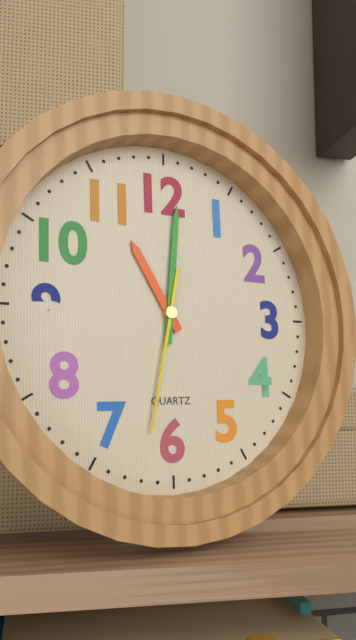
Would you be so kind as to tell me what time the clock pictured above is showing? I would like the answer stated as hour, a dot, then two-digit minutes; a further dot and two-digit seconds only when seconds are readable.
11.01.32
